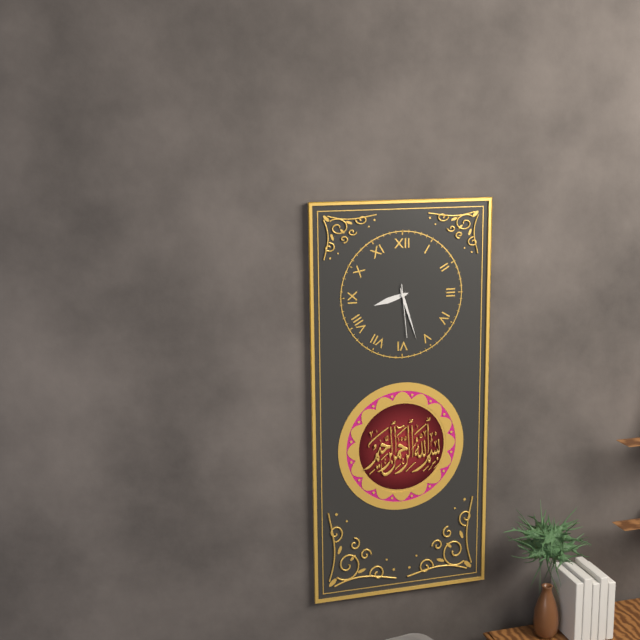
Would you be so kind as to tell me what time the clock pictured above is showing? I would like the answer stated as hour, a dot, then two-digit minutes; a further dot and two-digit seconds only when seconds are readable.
8.27.29
